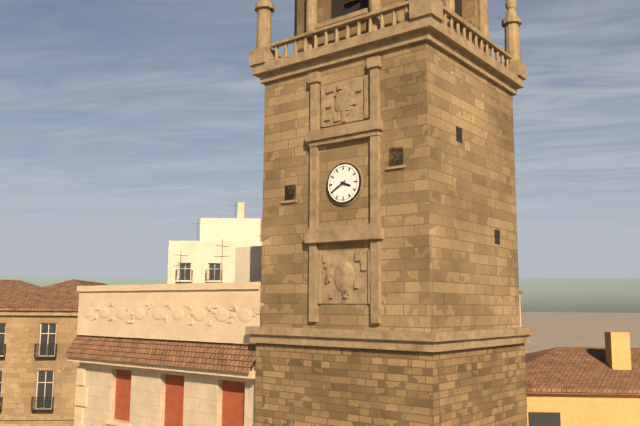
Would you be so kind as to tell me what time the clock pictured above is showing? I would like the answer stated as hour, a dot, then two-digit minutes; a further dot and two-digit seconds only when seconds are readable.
3.40
